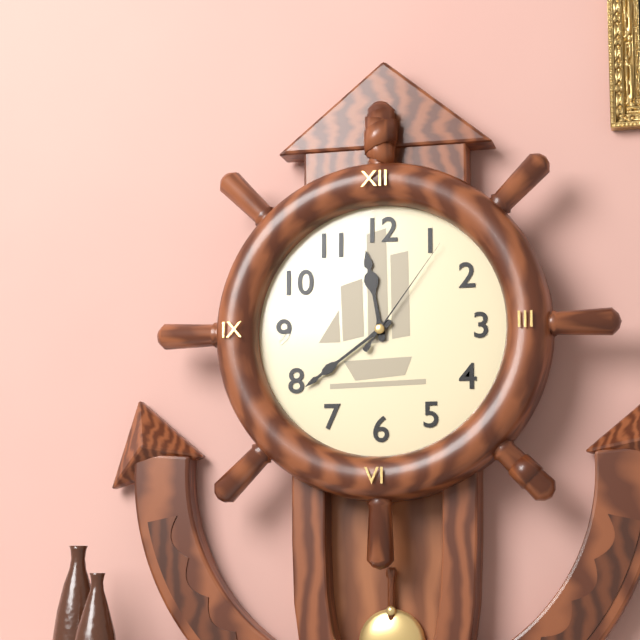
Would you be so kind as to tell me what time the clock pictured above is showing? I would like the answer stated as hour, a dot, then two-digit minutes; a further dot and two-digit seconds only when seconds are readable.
11.39.06
